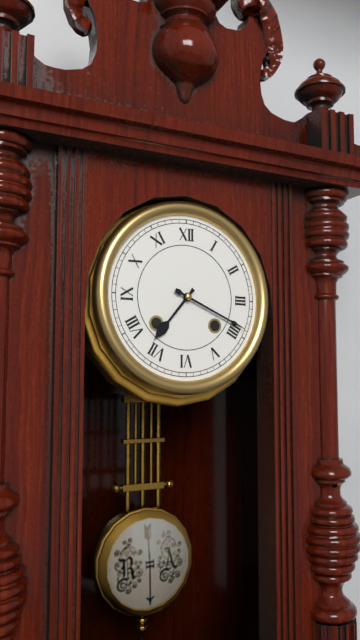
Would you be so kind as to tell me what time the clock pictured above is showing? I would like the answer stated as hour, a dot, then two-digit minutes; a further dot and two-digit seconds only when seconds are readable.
7.19
